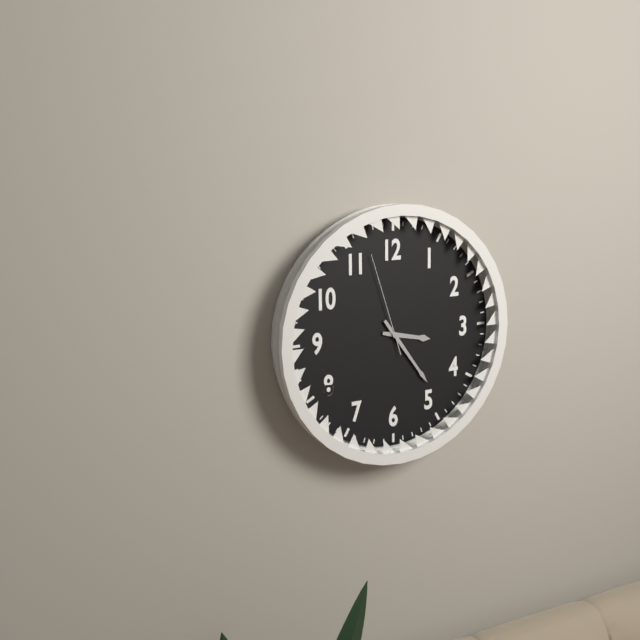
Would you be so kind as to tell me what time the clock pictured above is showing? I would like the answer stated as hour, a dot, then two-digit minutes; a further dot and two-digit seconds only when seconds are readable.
3.24.57
